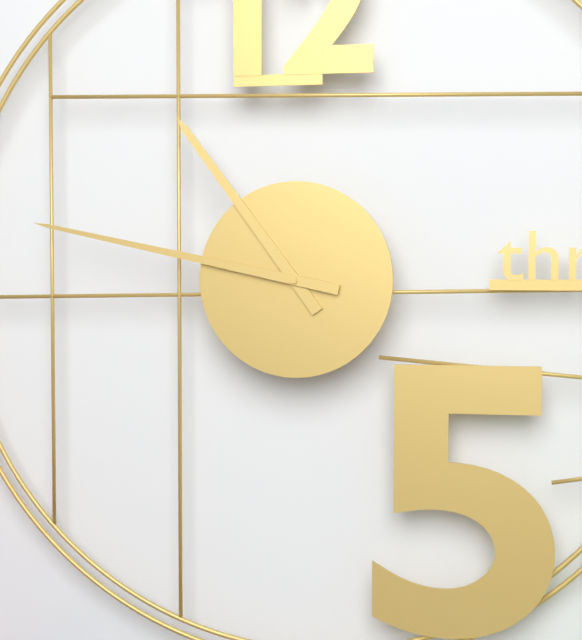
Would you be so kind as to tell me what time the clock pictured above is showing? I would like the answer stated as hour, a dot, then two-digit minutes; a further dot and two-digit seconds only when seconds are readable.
10.47
